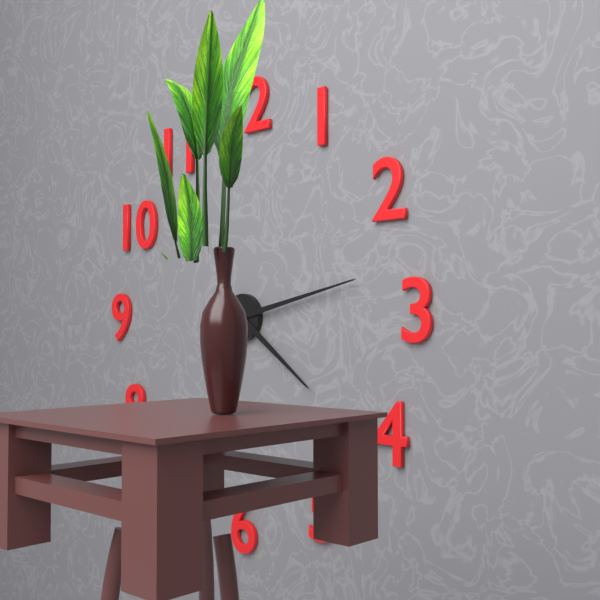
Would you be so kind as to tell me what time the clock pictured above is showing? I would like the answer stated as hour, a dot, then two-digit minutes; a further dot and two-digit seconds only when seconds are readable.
4.13
